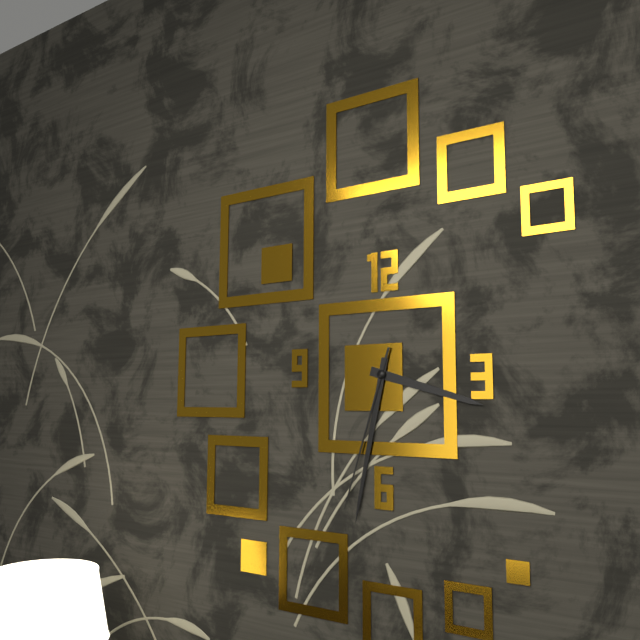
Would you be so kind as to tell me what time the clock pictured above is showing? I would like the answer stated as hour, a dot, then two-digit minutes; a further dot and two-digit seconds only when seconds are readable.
3.32.33
